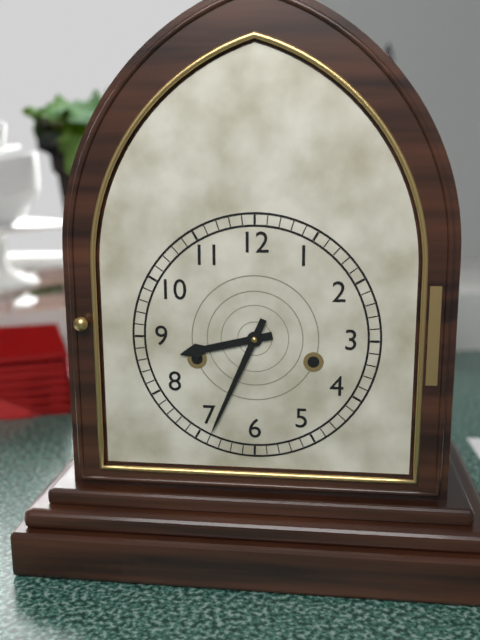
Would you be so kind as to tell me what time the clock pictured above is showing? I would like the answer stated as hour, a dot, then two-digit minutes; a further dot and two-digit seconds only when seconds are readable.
8.34
